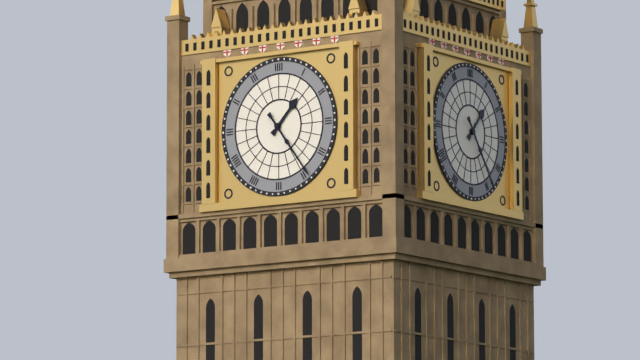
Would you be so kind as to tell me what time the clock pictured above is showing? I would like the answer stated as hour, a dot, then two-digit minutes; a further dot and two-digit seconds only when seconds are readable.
1.24
